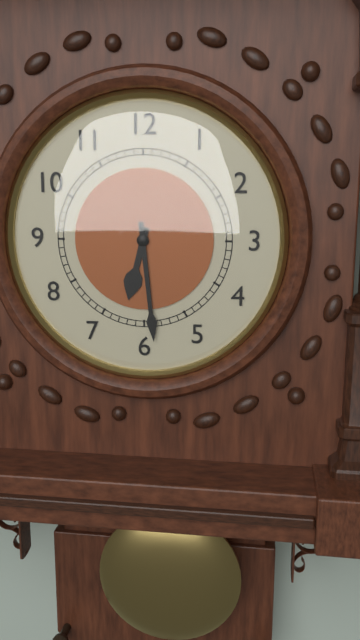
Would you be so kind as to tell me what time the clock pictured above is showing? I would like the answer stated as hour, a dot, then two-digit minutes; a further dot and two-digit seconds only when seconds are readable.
6.29
